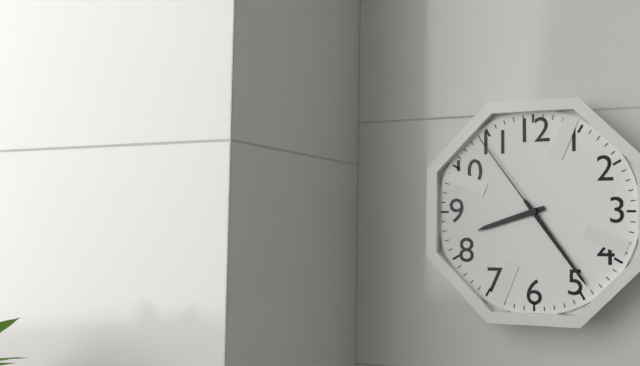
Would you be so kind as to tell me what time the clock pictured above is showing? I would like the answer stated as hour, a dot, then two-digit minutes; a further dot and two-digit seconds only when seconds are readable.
8.24.54
